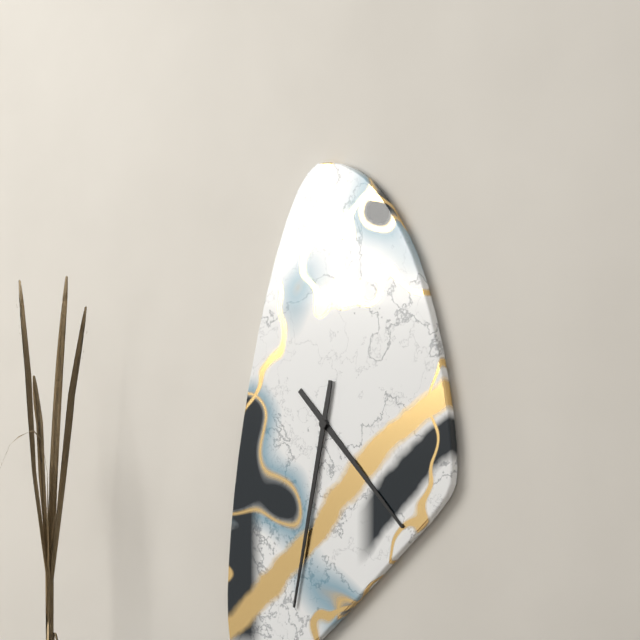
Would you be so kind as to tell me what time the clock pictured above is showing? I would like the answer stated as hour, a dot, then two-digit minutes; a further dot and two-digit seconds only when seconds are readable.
4.32
